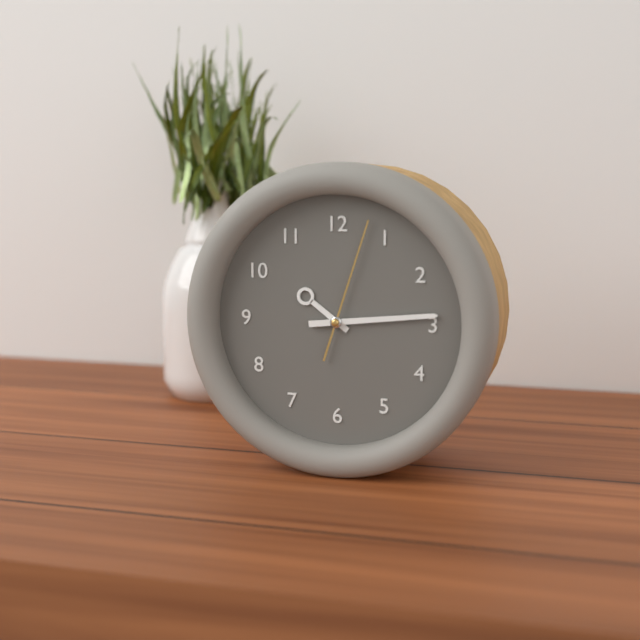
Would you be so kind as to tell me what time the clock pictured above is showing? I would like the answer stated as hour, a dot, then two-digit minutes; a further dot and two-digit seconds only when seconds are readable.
10.14.03
